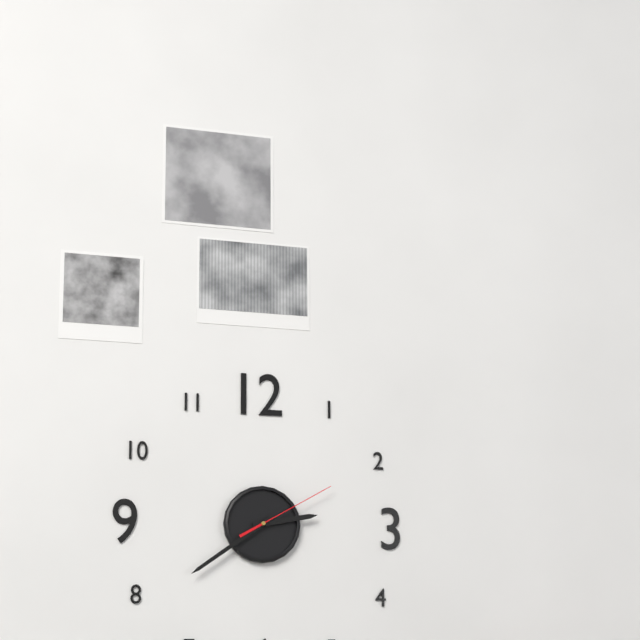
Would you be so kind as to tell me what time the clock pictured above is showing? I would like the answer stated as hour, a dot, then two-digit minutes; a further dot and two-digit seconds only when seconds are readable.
2.39.10
